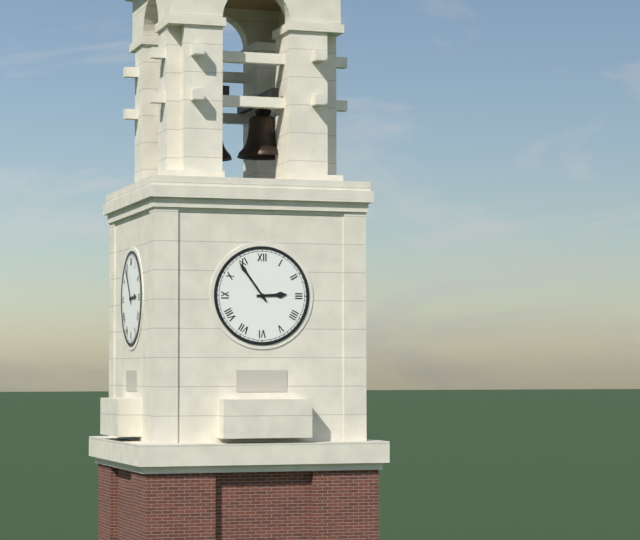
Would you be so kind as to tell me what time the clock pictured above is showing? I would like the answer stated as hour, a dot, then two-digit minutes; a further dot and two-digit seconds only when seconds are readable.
2.54
